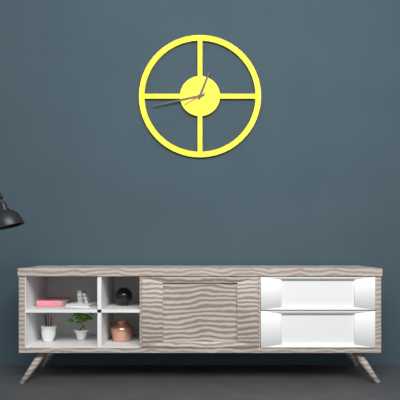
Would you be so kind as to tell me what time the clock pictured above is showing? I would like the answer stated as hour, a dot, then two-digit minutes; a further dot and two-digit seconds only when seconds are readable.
12.43
